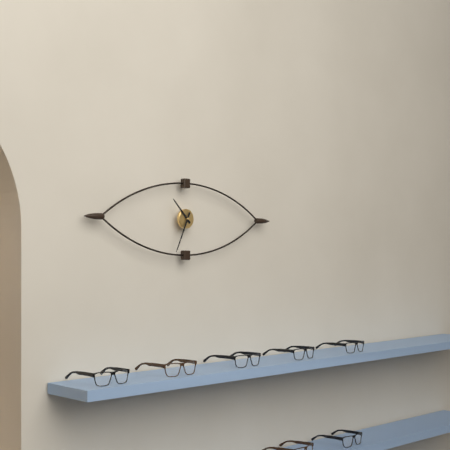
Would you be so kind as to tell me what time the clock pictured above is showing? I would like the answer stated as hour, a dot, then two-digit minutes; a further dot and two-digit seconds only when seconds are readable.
10.34
